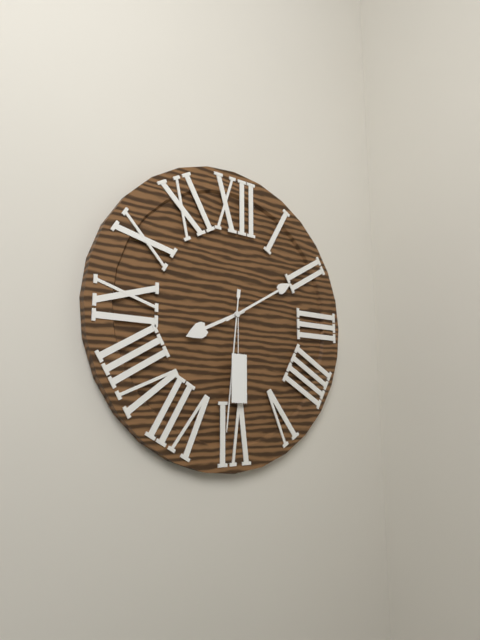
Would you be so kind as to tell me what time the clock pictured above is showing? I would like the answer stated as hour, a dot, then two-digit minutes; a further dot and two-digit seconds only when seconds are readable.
8.10.31
